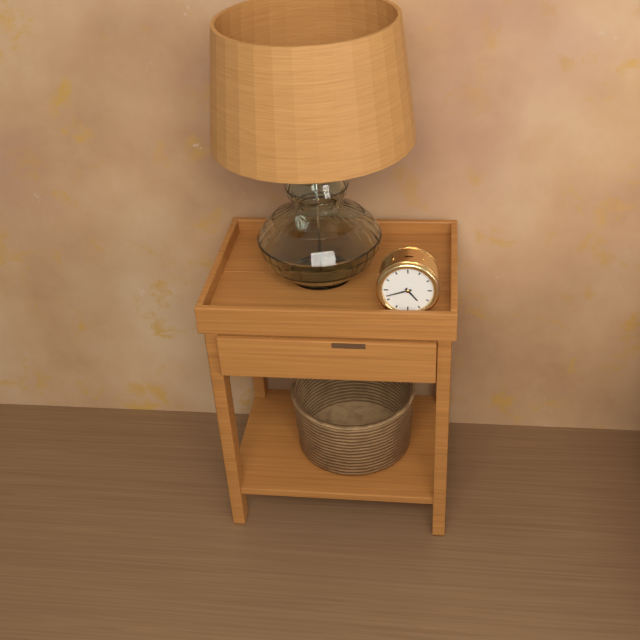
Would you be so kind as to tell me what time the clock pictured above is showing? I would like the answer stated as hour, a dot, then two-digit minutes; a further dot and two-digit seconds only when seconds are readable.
4.42
